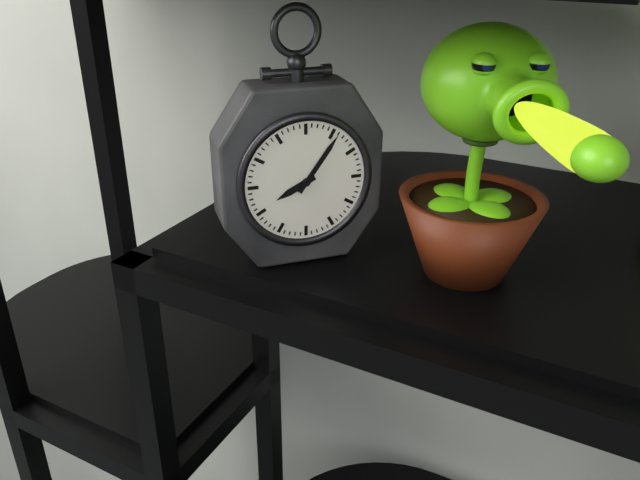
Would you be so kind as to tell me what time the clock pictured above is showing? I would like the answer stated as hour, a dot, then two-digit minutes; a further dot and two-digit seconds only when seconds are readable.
8.06
